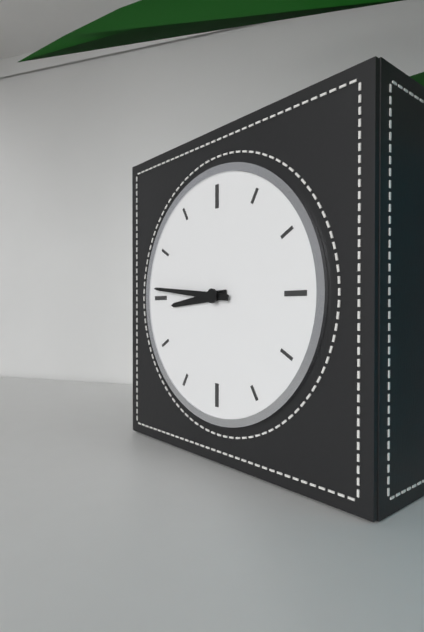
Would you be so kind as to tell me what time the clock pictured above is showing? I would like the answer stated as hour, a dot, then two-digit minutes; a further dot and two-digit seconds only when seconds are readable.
8.46
